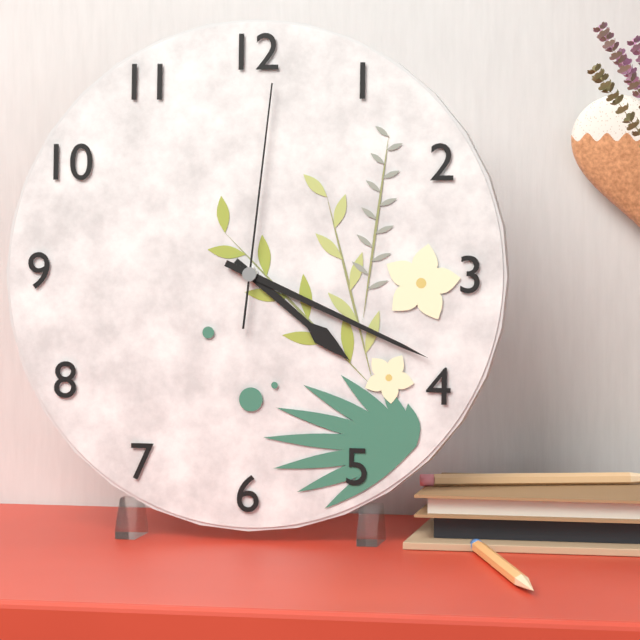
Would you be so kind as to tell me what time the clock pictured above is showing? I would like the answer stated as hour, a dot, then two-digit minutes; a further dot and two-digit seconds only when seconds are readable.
4.19.01
